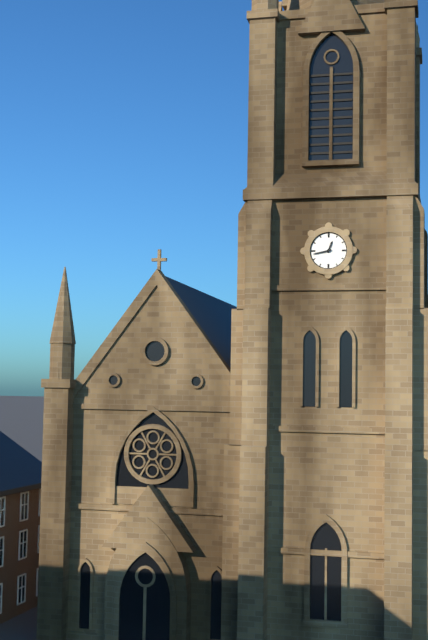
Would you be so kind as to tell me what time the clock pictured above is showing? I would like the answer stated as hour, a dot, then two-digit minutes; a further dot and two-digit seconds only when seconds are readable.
12.43
